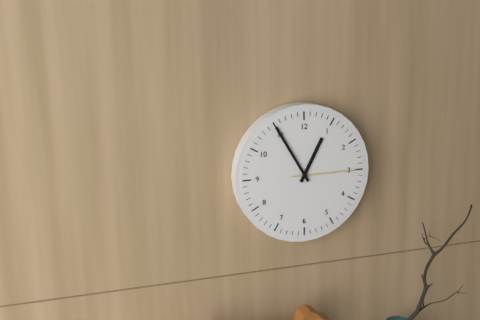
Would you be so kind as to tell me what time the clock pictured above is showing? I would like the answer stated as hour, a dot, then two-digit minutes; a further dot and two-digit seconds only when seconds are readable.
12.55.15
